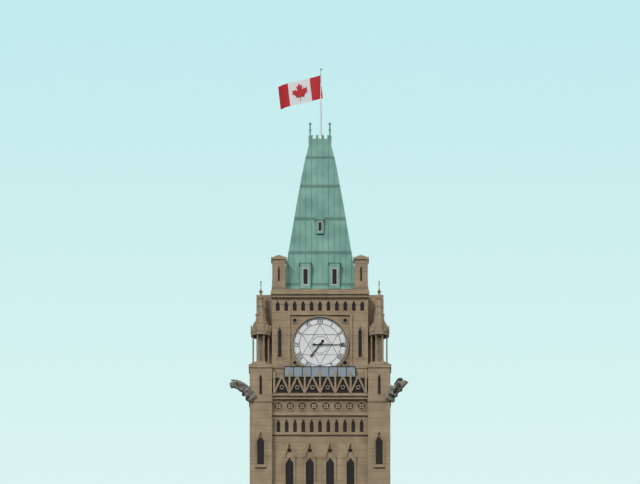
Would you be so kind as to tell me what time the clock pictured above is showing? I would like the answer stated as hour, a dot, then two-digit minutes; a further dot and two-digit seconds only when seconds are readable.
7.15
